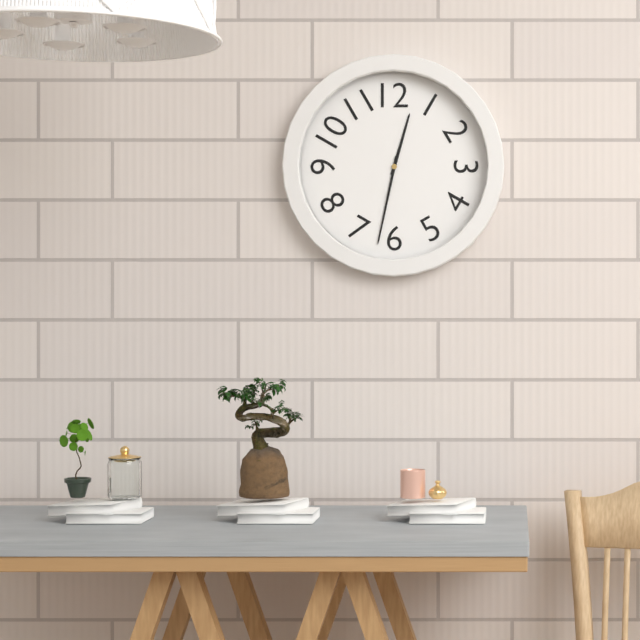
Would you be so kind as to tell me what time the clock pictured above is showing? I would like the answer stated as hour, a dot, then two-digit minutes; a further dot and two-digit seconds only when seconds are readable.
12.32
